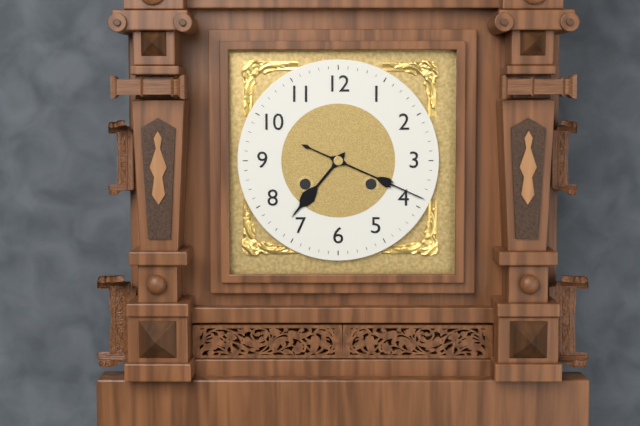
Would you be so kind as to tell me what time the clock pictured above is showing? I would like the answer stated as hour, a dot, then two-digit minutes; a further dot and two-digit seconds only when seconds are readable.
7.19
